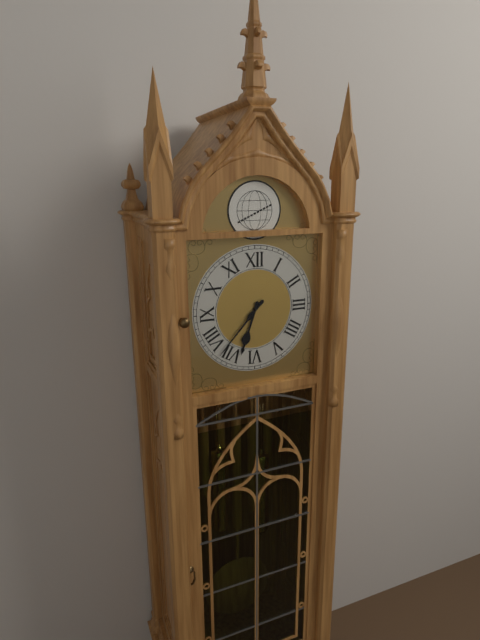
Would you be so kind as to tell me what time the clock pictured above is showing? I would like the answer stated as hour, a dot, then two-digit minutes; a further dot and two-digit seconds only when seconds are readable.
6.37
